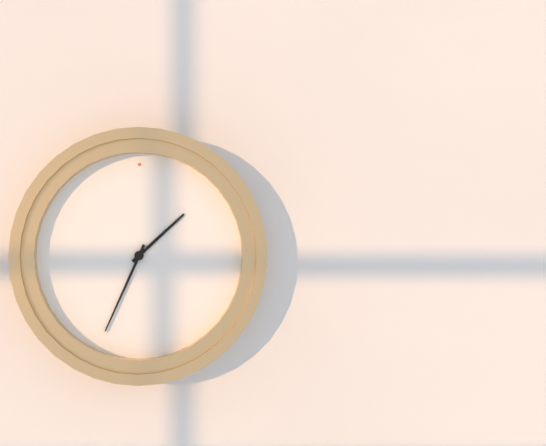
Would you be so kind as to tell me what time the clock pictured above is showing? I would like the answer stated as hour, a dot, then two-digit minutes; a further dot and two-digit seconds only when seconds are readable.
1.34
